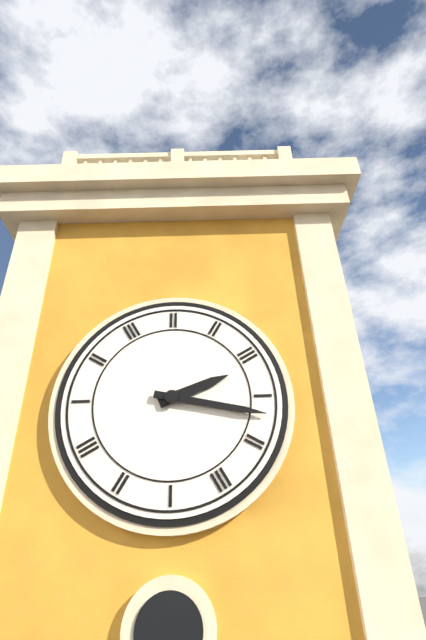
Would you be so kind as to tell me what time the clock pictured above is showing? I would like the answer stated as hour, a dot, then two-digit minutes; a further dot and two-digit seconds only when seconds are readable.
2.17
